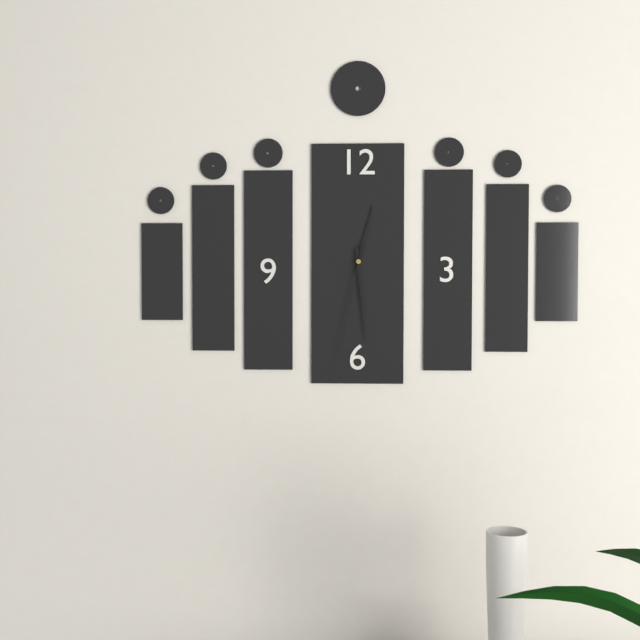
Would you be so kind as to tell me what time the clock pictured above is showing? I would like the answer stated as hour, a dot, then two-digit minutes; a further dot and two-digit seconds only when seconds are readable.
12.29.32
